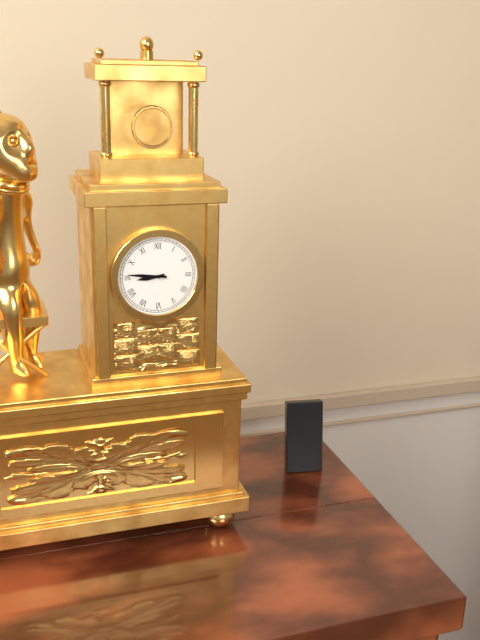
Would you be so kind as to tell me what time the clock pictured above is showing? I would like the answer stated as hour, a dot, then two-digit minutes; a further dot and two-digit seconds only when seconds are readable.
8.46
